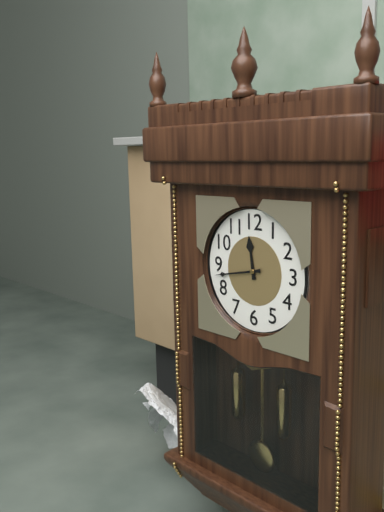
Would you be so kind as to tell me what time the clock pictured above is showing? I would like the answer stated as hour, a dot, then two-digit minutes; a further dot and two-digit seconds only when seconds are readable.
11.43
